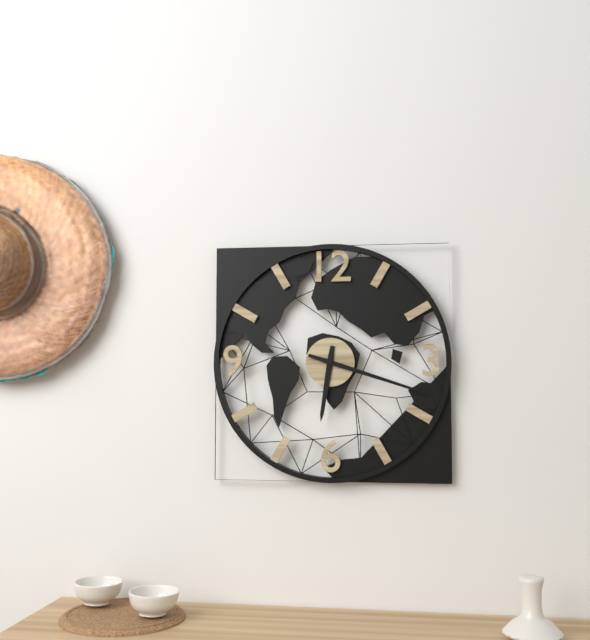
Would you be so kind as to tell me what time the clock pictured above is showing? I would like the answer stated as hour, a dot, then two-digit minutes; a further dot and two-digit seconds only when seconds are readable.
6.18
